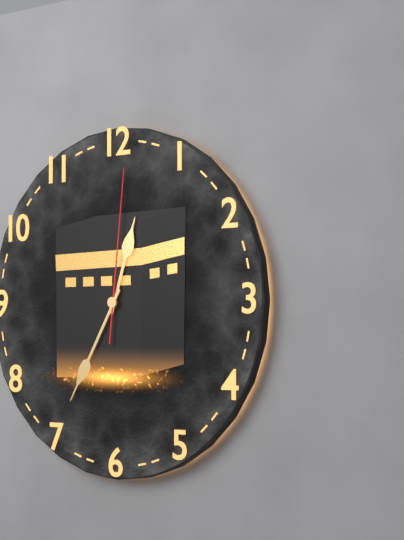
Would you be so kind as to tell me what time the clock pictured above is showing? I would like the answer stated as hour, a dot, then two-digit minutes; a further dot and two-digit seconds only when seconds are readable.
12.35.01
